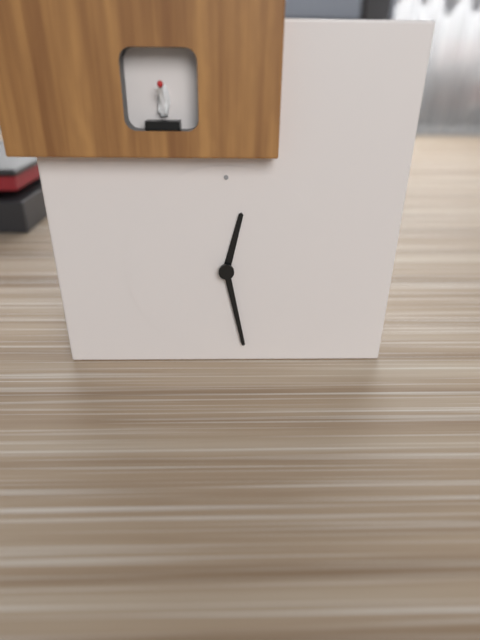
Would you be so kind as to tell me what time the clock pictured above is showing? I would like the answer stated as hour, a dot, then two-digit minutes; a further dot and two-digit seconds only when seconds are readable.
12.28
